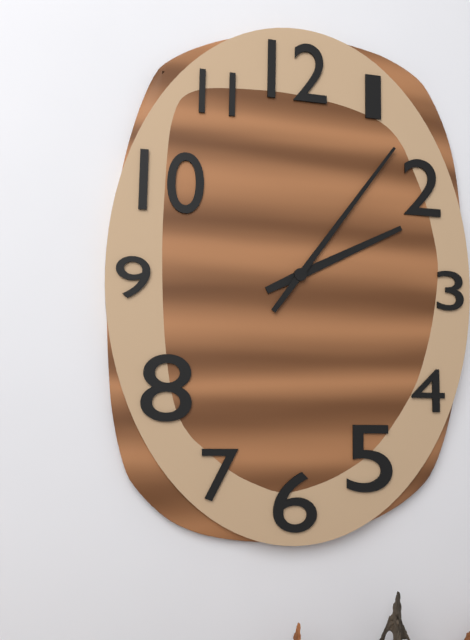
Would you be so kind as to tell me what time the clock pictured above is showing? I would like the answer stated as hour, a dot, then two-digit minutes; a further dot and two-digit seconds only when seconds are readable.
2.06
